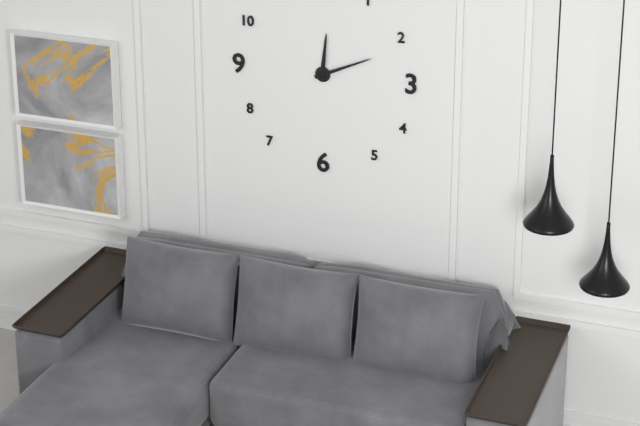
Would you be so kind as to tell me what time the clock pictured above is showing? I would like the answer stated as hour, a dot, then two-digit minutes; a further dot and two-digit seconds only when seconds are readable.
12.11
